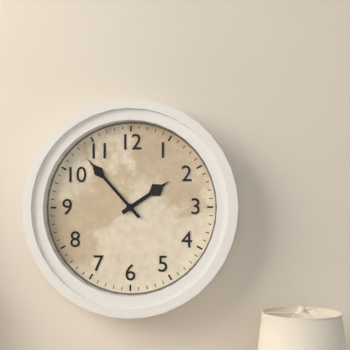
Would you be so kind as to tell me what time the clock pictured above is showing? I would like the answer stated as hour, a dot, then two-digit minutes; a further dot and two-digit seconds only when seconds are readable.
1.53
